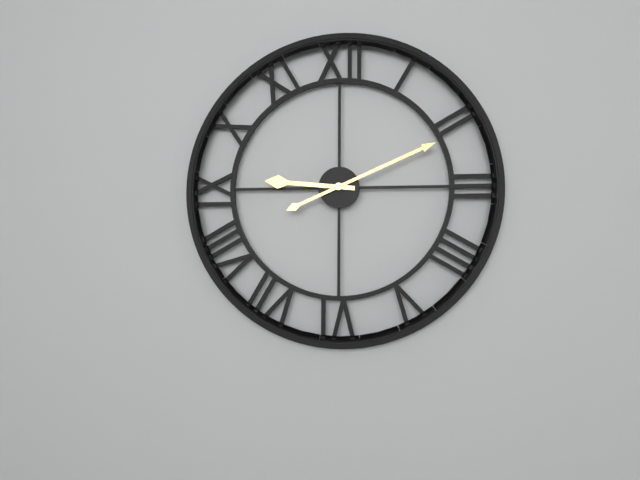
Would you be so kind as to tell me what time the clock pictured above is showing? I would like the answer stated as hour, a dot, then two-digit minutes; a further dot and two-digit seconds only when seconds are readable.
9.11
